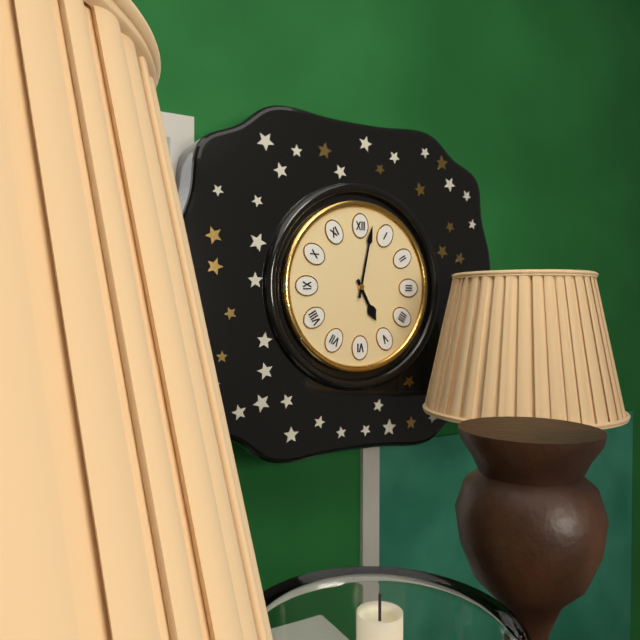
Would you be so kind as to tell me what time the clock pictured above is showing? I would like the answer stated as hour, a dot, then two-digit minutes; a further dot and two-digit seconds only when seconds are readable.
5.02
